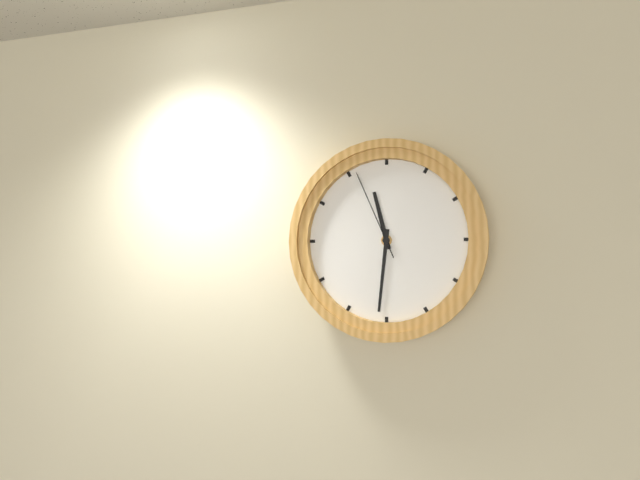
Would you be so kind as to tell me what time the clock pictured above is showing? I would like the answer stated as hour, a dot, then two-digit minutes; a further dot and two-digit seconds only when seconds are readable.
11.31.56
